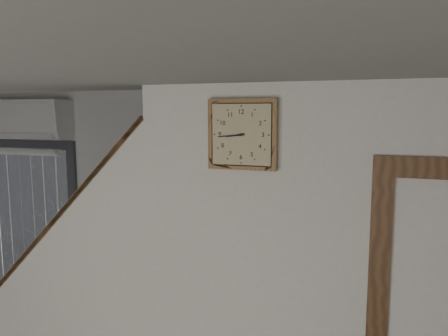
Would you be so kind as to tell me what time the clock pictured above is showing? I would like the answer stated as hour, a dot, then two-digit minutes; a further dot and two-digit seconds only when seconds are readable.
8.44
